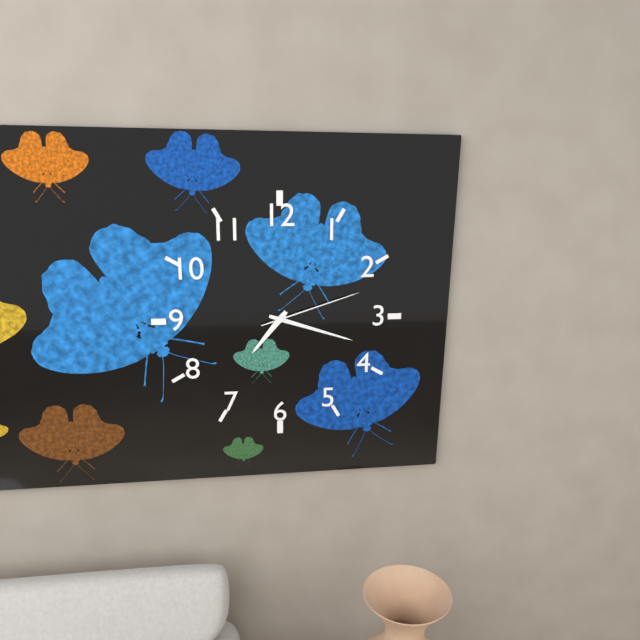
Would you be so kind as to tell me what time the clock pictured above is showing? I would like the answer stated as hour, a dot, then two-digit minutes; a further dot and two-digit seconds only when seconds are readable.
7.18.12
